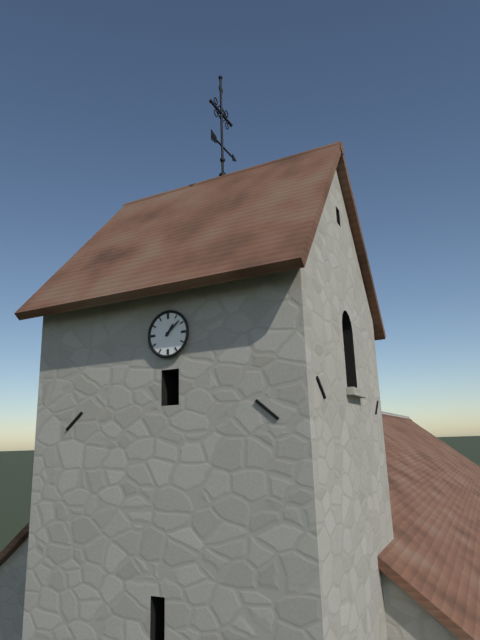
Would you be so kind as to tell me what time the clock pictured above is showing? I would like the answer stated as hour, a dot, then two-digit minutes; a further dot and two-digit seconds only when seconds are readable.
1.08
